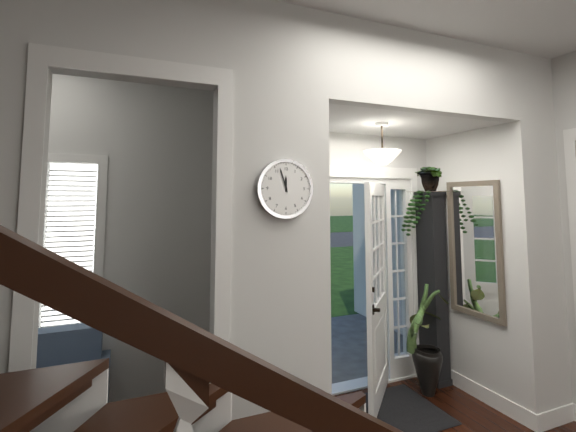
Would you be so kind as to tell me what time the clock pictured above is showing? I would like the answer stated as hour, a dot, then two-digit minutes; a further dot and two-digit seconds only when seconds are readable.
11.57
